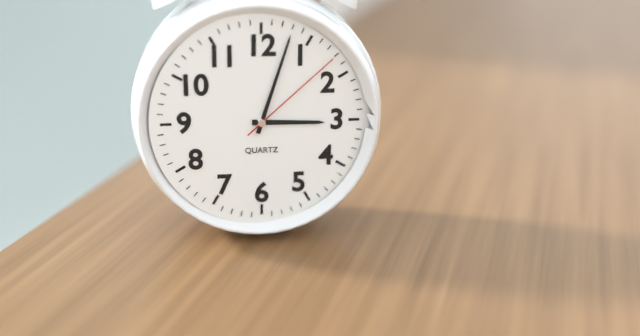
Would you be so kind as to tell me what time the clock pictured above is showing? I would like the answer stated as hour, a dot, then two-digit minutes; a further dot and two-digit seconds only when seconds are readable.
3.03.08
